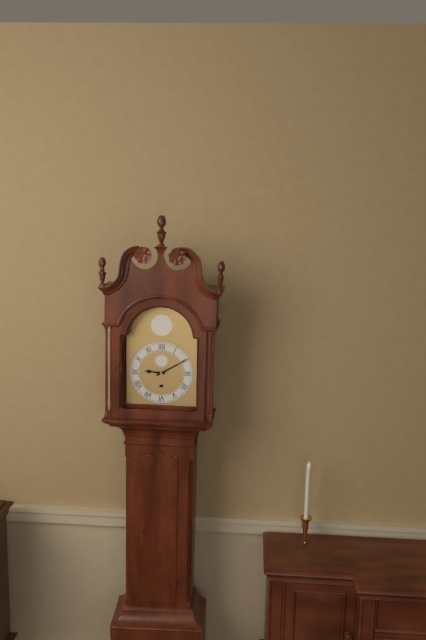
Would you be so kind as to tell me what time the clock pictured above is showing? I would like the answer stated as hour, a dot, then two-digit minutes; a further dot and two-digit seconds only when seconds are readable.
9.10
